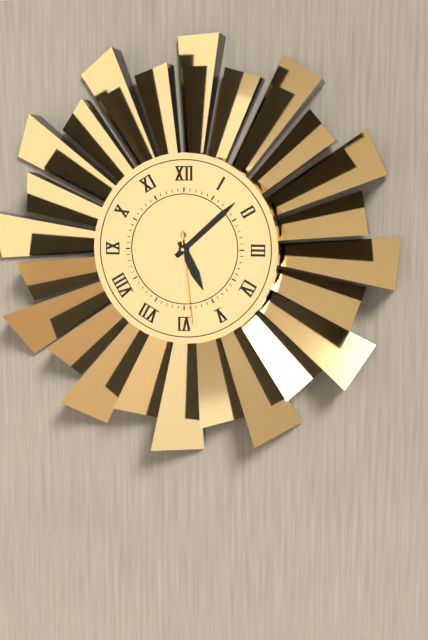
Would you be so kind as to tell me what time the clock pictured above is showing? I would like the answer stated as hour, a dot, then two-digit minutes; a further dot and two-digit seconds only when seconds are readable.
5.08.29
